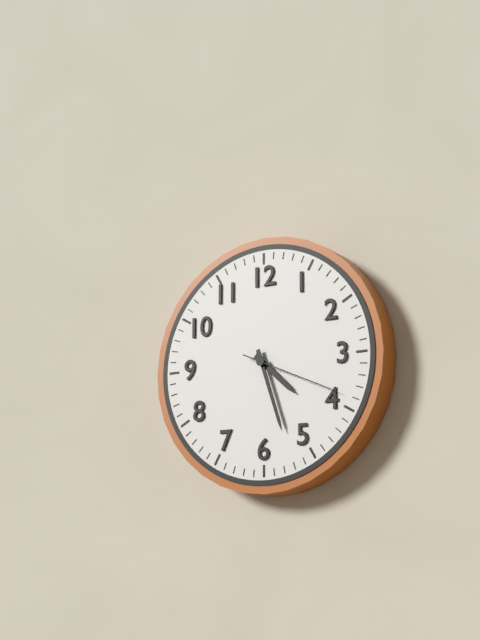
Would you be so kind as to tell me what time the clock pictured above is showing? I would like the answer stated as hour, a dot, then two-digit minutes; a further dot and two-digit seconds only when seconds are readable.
4.27.19
